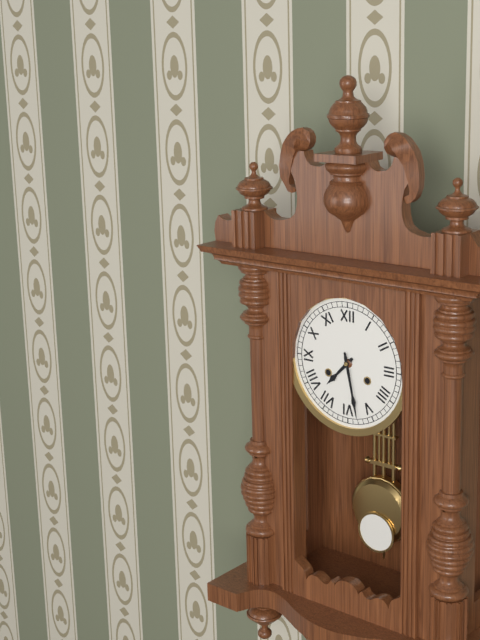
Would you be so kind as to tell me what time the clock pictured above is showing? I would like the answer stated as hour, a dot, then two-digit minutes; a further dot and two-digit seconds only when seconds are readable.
7.28
